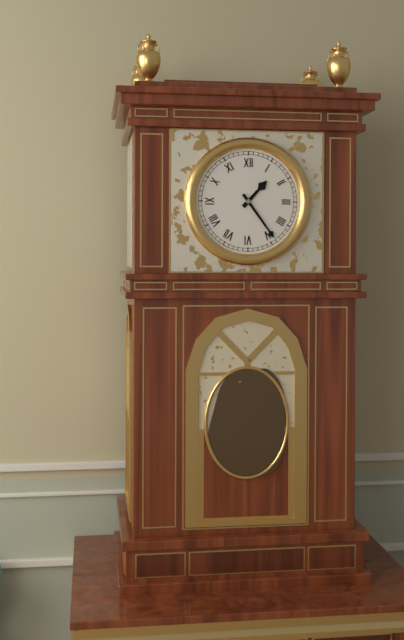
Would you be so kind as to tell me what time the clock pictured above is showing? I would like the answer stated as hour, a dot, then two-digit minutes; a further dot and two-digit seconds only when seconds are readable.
1.24
